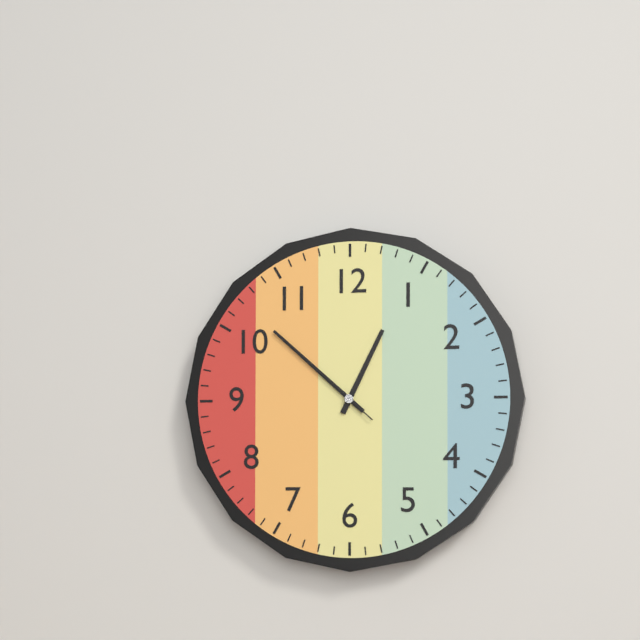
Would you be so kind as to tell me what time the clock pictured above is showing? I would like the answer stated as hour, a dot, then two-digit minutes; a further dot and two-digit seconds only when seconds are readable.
12.52.52
